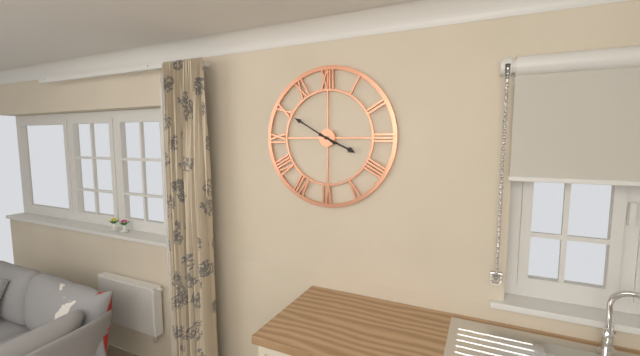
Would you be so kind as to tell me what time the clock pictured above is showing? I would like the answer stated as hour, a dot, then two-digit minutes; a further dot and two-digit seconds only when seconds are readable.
3.50
